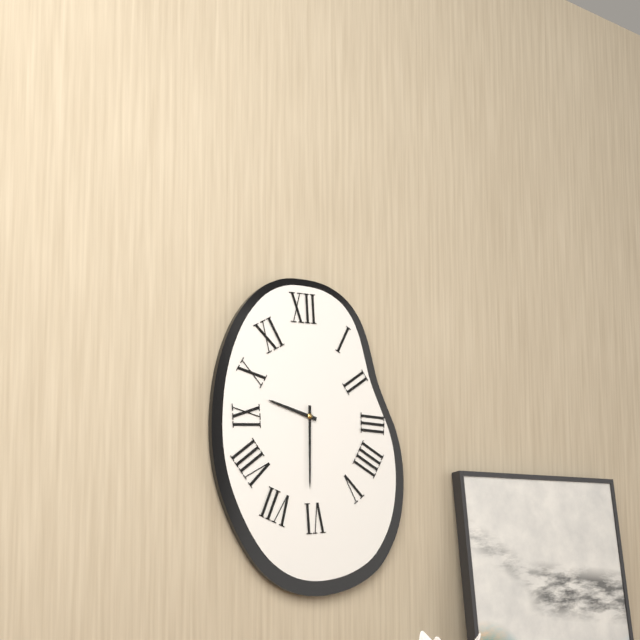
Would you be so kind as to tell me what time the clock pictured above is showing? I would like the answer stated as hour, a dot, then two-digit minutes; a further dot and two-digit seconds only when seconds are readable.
9.30
